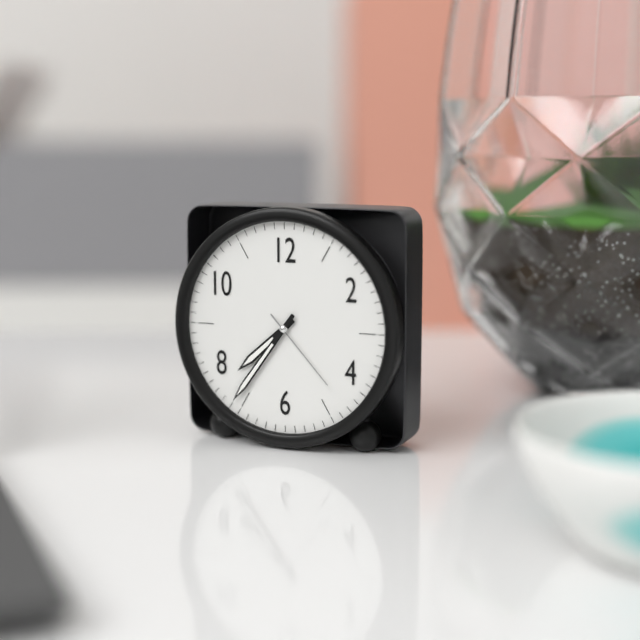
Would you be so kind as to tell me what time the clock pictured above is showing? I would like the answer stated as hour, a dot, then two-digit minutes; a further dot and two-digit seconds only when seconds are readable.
7.36.23
